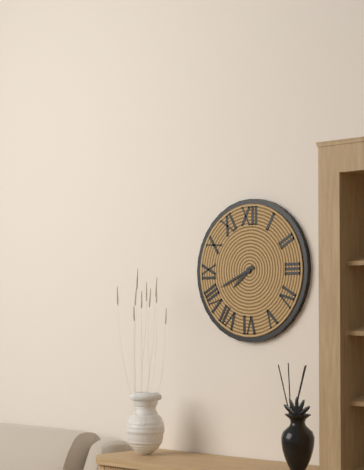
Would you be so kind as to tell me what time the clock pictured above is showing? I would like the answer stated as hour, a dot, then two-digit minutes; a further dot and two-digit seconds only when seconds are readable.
7.41
